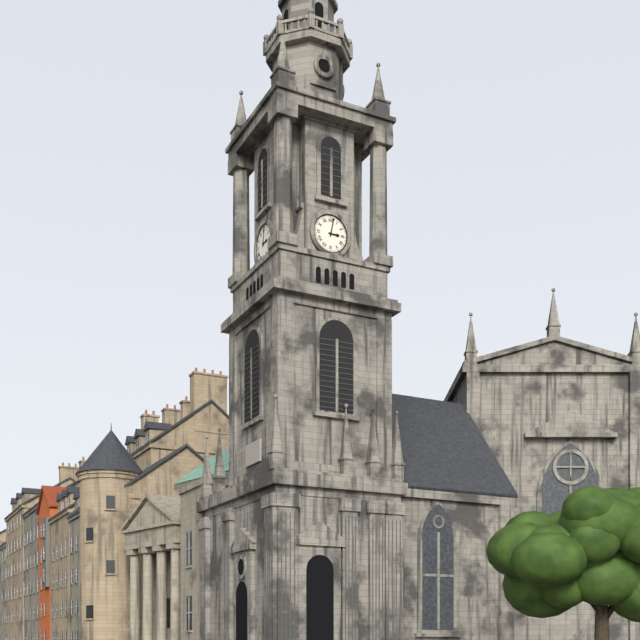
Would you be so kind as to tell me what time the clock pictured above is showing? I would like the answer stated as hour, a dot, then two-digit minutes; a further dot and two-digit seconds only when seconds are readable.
3.02
